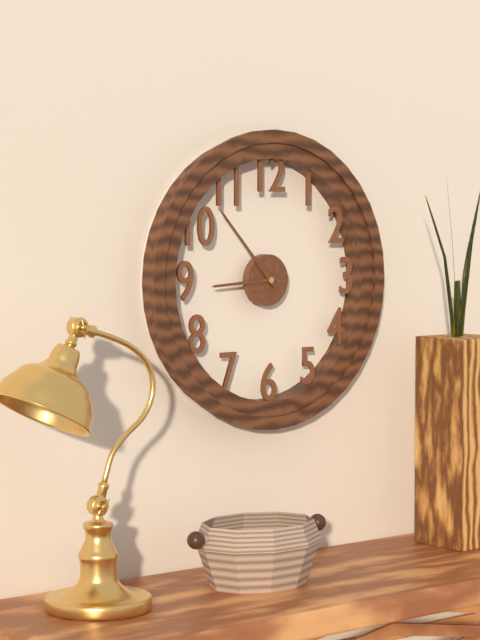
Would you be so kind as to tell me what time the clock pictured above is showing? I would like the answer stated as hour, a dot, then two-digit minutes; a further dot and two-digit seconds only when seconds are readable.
8.53
